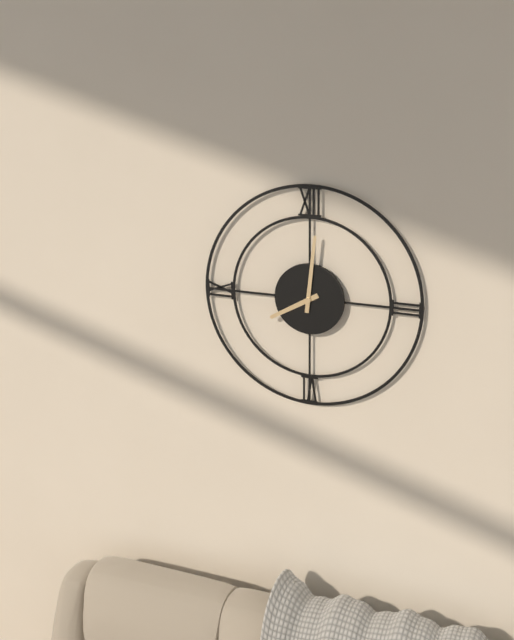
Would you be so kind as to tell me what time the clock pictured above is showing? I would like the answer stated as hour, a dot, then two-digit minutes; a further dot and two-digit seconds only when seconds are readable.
8.01
